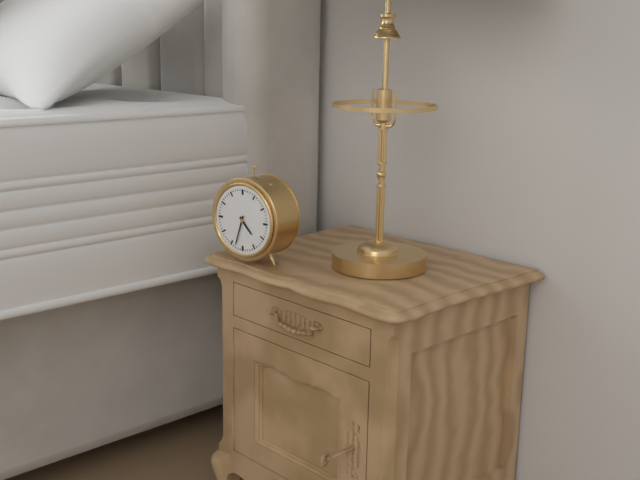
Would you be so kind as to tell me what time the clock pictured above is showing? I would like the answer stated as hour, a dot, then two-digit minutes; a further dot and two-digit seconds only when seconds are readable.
4.33
